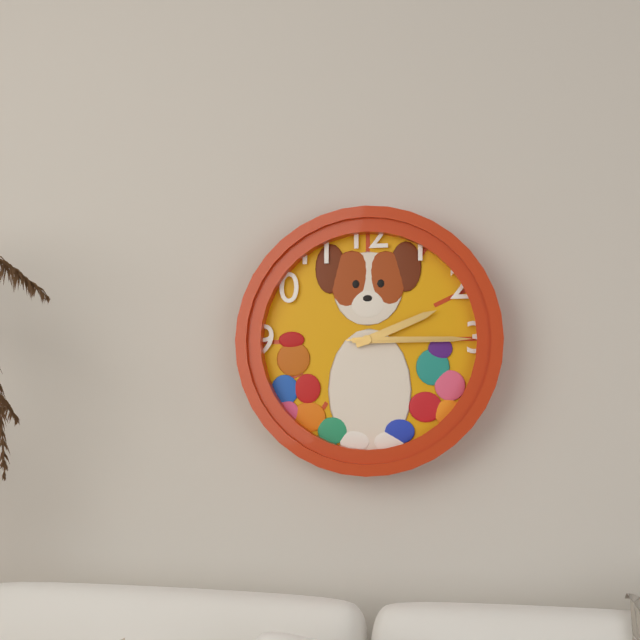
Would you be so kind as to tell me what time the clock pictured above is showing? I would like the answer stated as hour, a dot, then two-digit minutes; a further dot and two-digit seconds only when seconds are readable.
2.15.15
